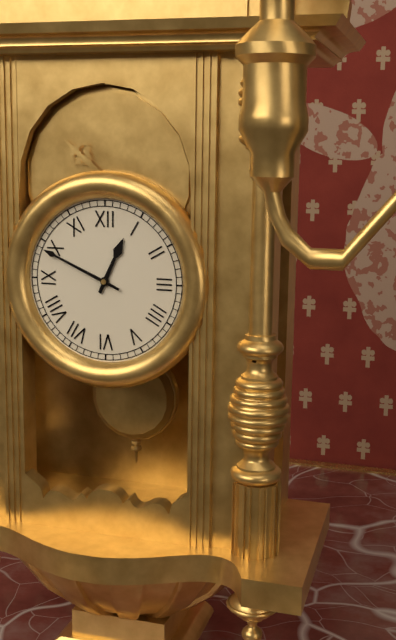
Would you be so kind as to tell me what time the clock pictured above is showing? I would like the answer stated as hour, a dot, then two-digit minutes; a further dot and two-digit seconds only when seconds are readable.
12.49
